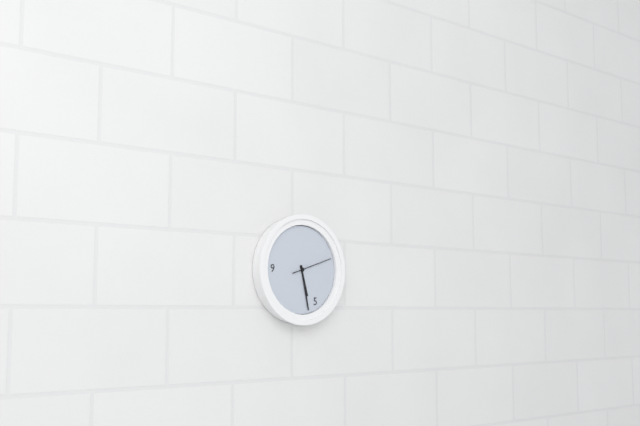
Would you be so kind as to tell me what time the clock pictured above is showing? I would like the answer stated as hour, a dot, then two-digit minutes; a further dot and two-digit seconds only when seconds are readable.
5.28
